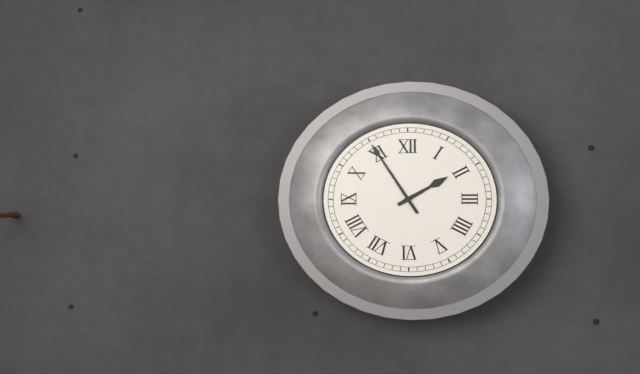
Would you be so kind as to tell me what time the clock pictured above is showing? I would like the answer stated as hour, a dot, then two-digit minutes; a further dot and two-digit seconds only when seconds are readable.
1.55
